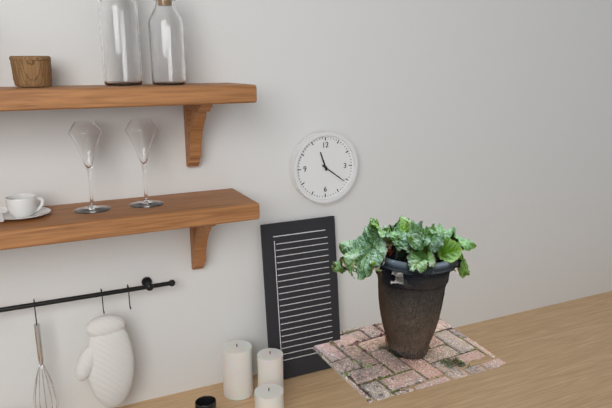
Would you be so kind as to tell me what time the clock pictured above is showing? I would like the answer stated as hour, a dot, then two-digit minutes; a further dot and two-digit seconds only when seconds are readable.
11.21
